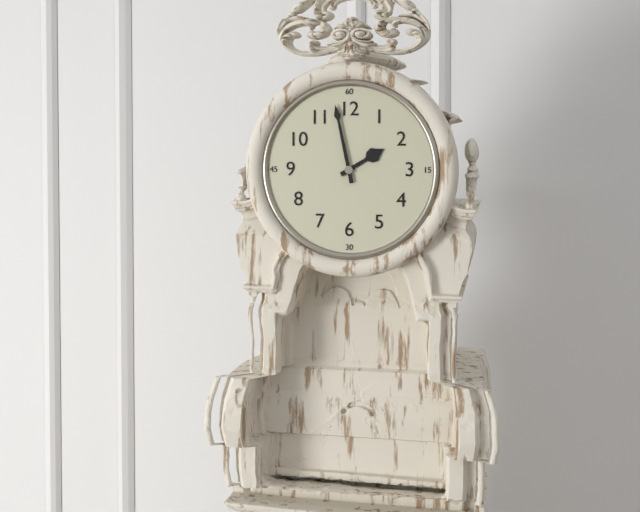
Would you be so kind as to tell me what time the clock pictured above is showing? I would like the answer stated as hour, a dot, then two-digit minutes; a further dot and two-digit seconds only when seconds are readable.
1.58
